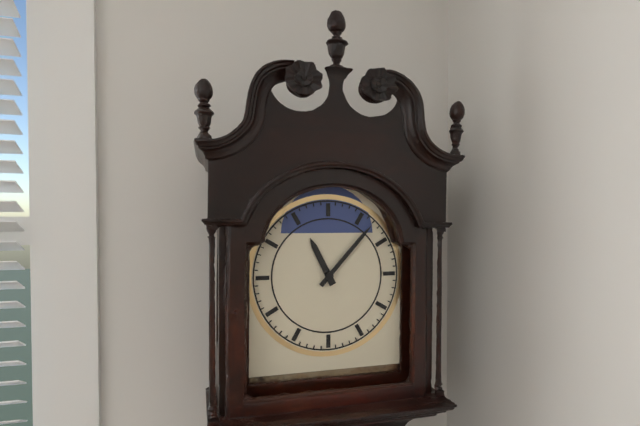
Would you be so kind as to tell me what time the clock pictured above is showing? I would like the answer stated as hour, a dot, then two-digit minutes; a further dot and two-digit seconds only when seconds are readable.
11.07
